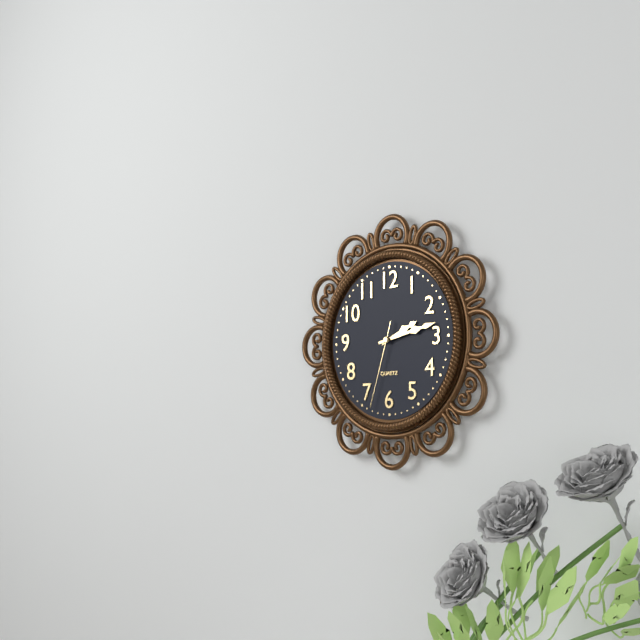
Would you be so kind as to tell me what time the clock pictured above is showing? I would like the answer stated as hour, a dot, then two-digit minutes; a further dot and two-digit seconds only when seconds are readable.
2.13.33
